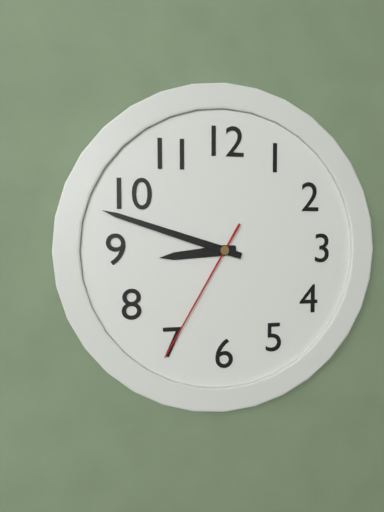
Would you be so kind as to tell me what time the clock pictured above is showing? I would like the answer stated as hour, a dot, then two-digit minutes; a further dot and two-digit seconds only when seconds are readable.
8.48.35
